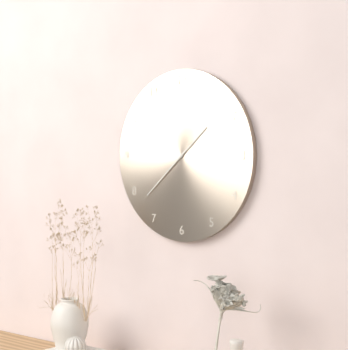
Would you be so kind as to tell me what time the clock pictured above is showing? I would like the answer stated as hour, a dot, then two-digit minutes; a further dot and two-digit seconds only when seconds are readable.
1.38
